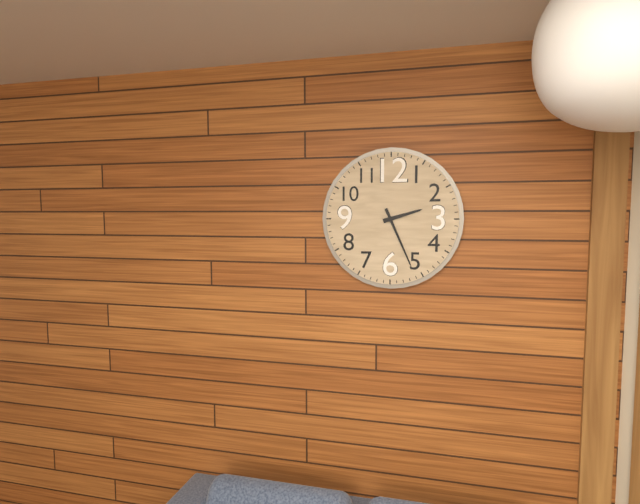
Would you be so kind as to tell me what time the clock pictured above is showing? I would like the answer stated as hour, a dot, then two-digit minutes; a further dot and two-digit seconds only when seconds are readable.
2.26
